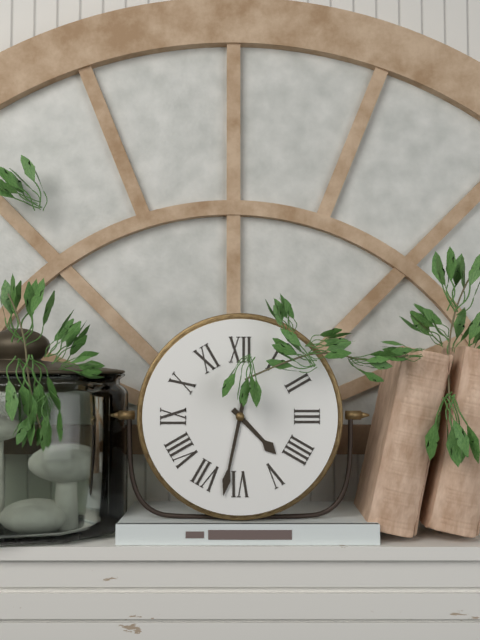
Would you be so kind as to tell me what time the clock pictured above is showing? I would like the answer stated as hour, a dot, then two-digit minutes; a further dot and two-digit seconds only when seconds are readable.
4.32
